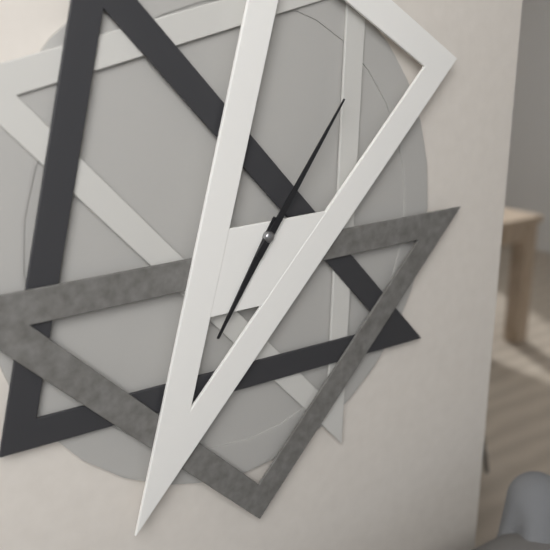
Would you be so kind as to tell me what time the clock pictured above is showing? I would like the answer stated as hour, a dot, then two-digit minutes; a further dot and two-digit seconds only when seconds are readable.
7.06
